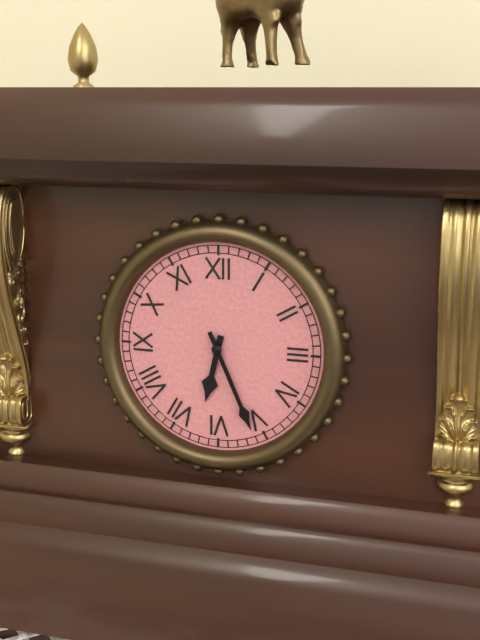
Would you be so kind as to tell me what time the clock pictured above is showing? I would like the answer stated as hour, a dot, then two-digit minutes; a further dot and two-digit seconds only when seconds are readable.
6.26
